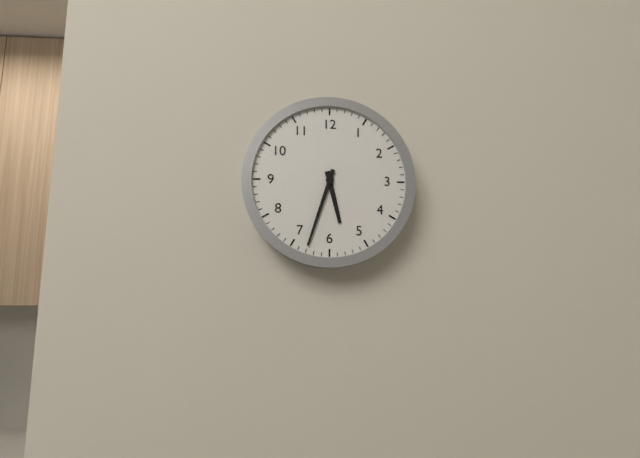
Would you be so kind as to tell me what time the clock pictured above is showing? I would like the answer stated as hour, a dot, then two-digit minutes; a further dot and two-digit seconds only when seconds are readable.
5.33
